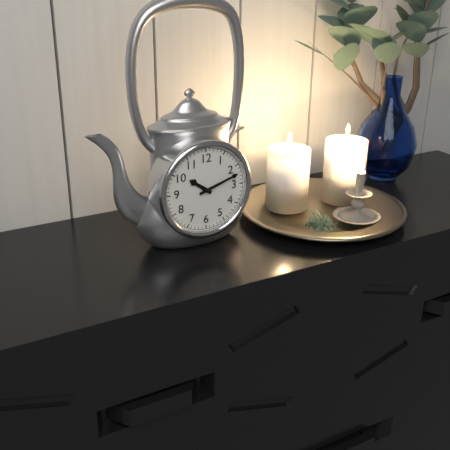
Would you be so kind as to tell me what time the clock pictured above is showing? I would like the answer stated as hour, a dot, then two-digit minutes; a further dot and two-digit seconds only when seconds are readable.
10.12
